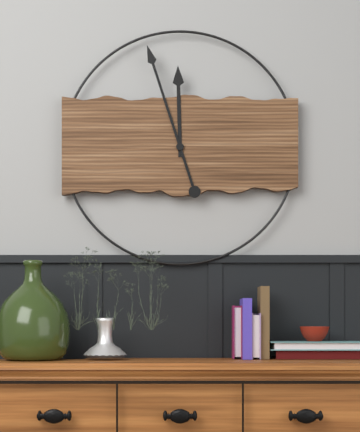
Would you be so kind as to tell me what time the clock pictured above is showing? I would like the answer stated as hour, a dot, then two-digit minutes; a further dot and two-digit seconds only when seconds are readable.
11.57
